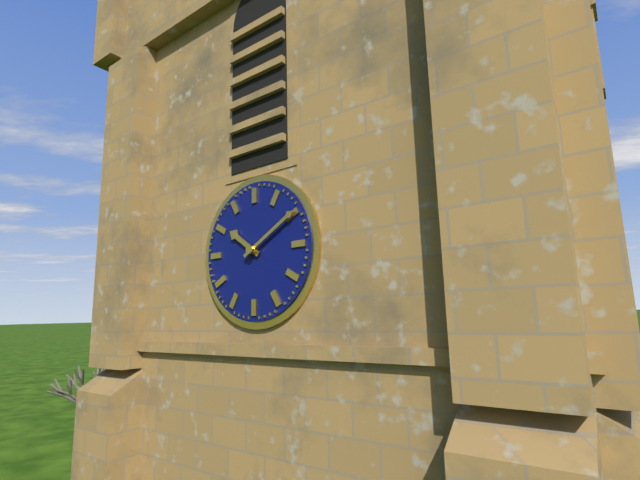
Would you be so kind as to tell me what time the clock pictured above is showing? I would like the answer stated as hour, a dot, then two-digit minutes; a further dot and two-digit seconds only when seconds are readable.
10.10
